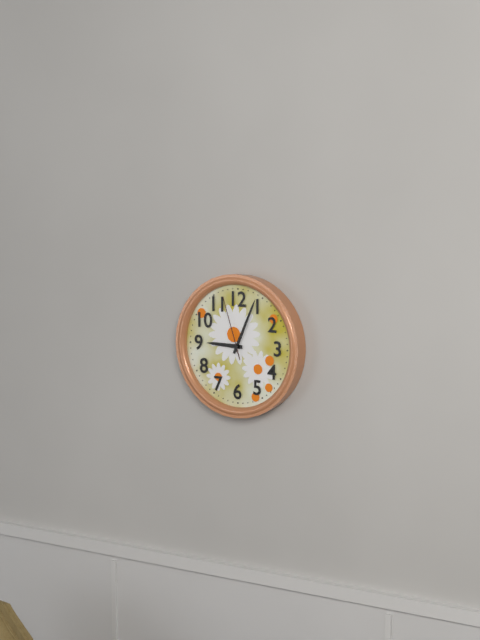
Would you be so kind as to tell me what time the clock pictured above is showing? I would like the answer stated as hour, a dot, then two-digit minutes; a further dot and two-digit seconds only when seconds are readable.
9.04.57
